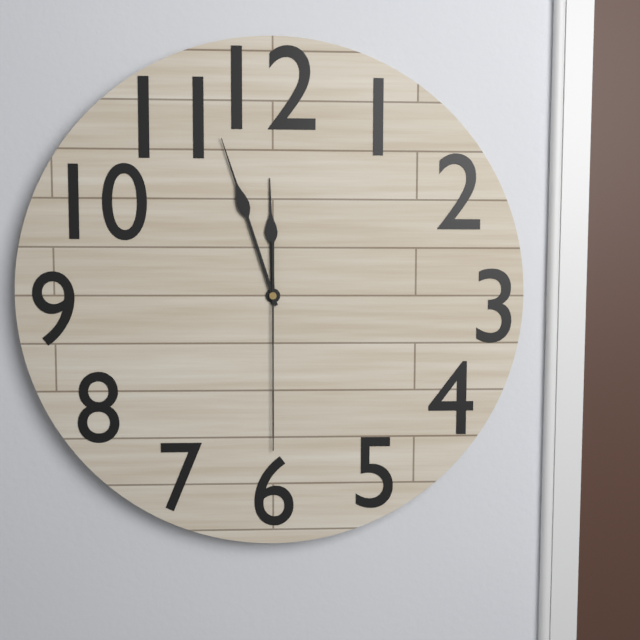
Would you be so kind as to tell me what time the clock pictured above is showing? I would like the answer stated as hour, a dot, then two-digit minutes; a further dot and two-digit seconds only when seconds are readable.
11.57.30
